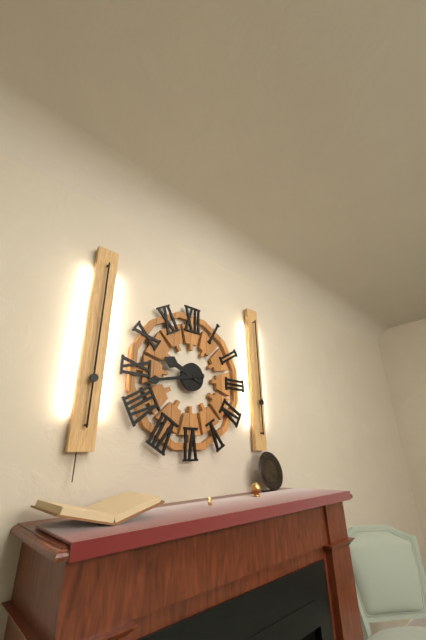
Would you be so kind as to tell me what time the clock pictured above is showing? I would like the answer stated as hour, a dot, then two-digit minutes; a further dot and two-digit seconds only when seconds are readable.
9.43
